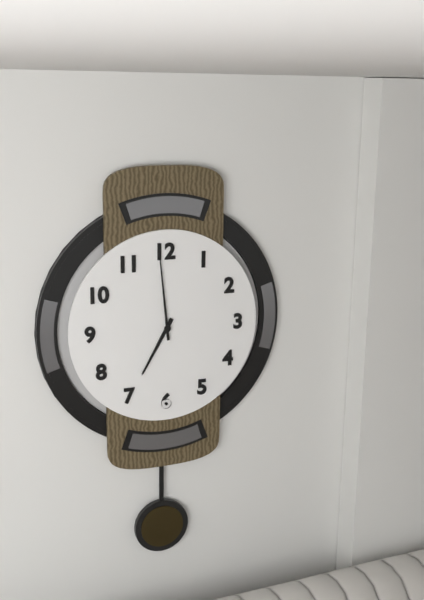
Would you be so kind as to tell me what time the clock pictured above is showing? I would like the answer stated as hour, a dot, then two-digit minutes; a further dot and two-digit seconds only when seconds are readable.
6.59
